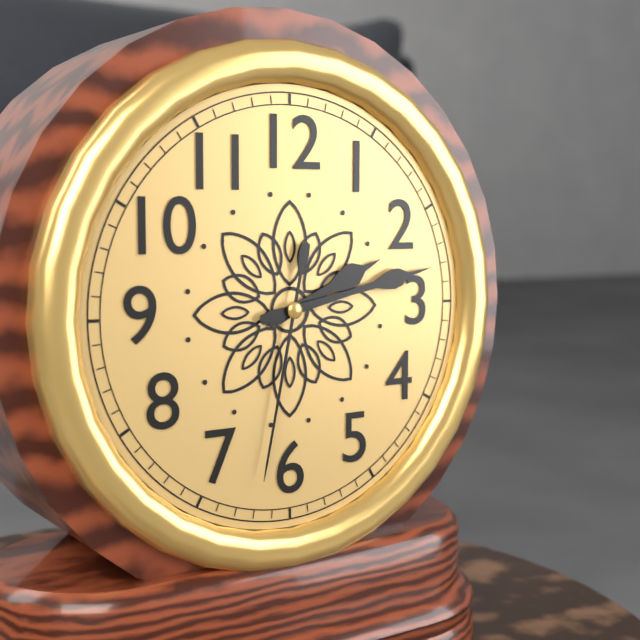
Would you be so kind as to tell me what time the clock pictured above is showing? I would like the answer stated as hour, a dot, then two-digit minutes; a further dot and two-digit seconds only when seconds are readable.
2.13.32
